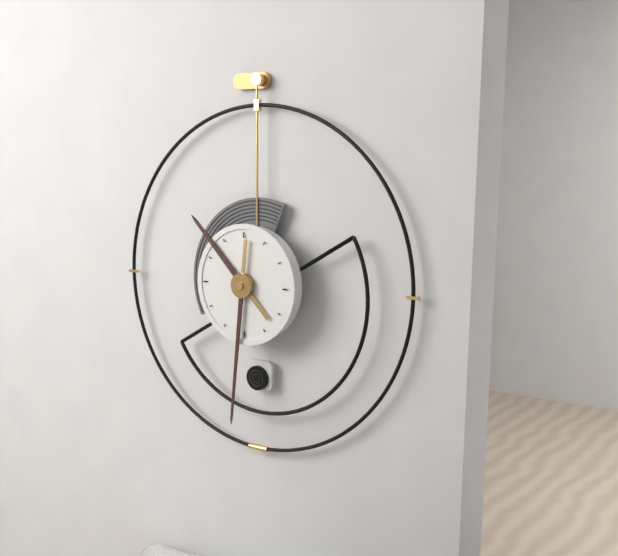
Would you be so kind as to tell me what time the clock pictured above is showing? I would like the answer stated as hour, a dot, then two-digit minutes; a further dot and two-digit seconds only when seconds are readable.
10.31
